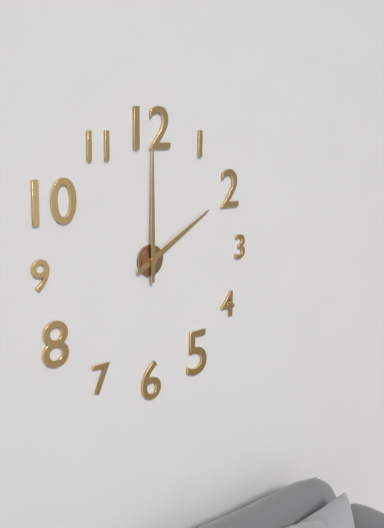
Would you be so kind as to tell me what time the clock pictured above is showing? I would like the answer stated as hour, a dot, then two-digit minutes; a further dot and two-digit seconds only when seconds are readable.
2.00
